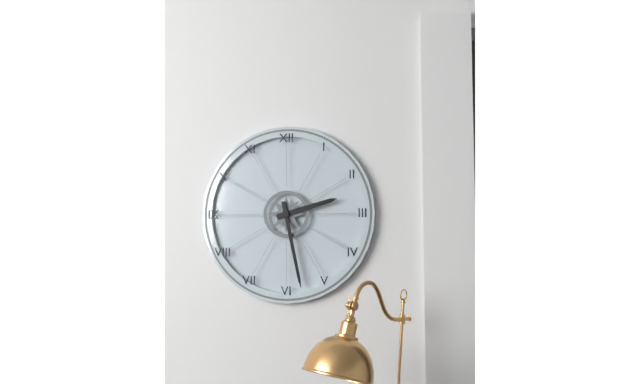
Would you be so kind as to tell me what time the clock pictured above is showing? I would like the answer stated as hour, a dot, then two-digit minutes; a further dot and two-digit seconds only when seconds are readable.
2.28
